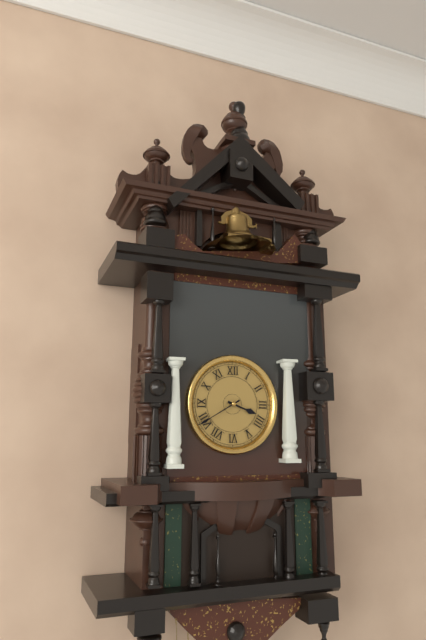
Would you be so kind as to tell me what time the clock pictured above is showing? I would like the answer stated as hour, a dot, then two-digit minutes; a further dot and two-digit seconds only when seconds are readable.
3.40
